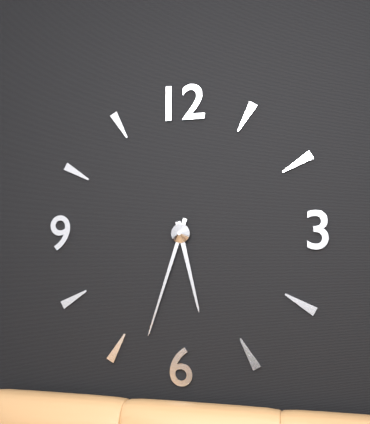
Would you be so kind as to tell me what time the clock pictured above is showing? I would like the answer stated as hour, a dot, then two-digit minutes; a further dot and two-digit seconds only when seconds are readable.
5.33
